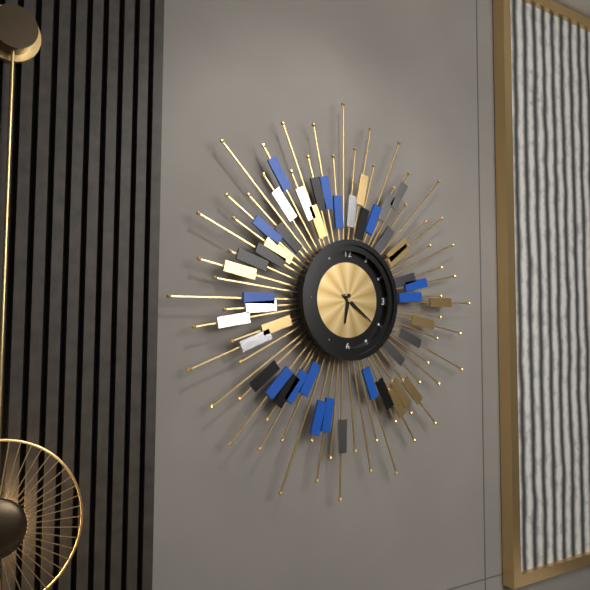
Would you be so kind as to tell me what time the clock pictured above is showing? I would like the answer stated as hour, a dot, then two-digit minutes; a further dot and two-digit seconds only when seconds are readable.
6.21
